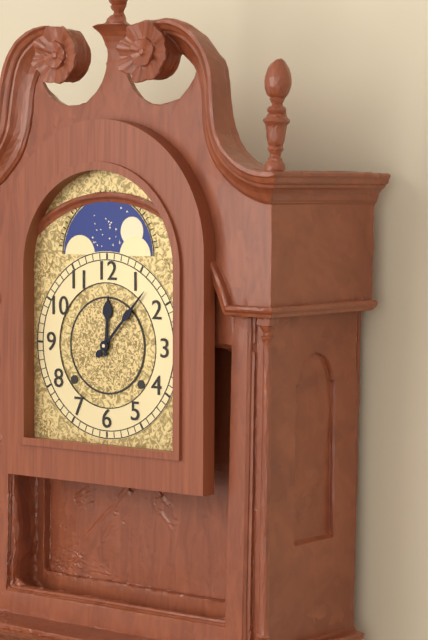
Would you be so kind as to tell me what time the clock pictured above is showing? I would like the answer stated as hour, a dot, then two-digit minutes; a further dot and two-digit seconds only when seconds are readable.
12.07
